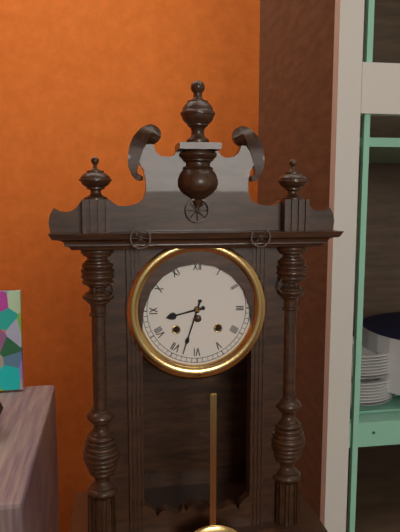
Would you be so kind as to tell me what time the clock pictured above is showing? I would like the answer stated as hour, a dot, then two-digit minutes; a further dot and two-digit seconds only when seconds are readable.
8.33
